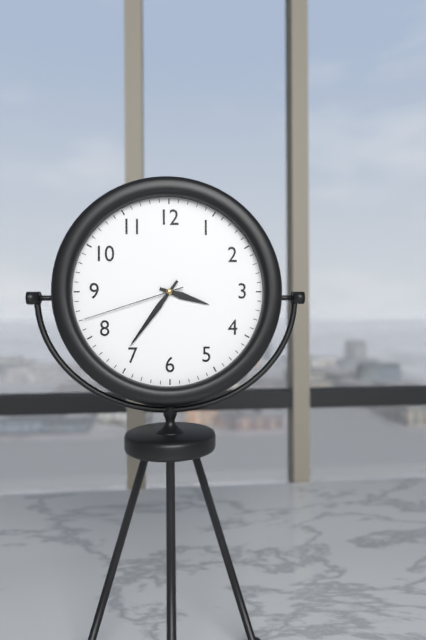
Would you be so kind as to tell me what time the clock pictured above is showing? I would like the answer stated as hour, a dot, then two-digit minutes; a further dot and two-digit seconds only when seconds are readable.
3.36.42
